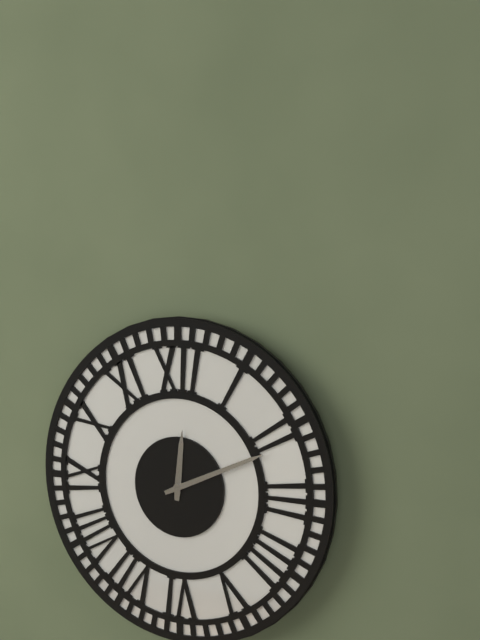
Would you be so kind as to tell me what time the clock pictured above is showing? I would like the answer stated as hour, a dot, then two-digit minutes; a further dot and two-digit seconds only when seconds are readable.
12.11
